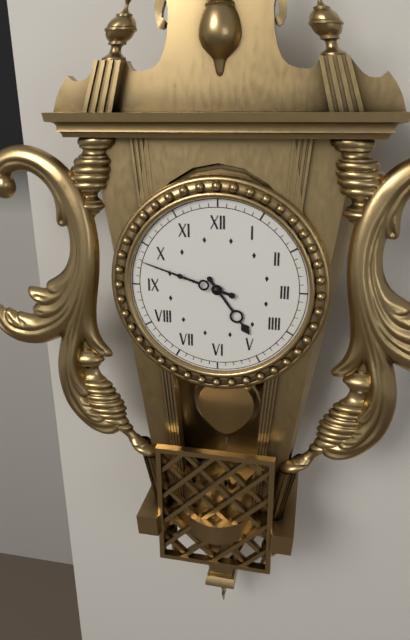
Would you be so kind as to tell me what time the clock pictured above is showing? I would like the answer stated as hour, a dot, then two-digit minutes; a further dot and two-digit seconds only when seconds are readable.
4.48
